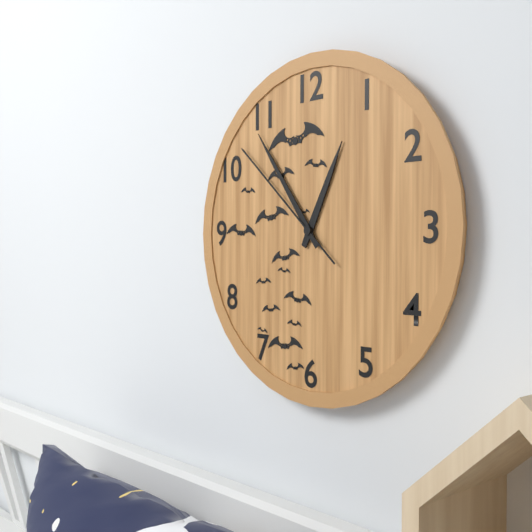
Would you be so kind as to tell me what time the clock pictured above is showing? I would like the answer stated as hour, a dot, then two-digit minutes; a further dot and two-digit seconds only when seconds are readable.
12.54.52
